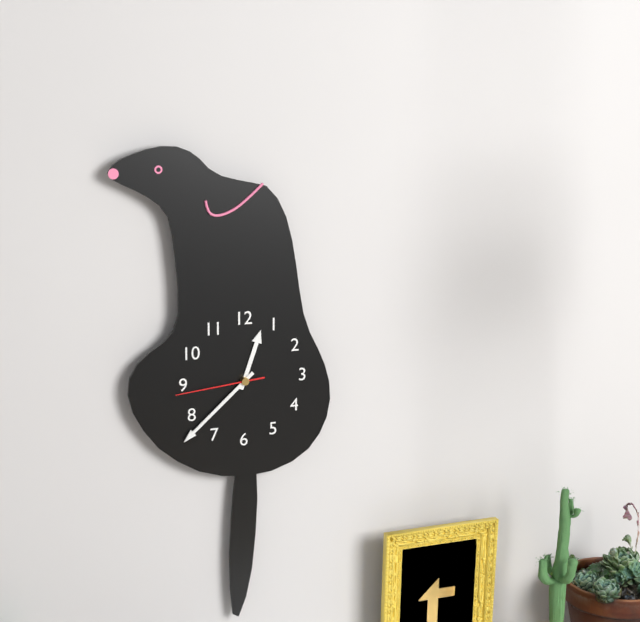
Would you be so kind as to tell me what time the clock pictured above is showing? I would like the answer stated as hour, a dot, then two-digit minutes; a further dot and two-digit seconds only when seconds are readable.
12.38.44
